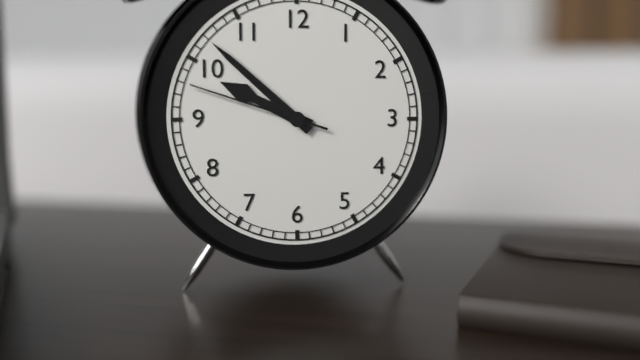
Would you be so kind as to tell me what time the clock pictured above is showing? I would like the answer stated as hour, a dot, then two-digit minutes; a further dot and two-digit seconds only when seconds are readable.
9.52.48
